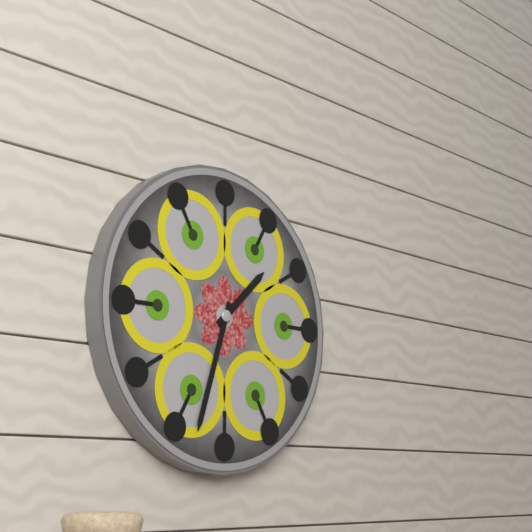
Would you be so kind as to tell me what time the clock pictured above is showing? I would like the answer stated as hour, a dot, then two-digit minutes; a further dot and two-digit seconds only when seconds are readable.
1.33
